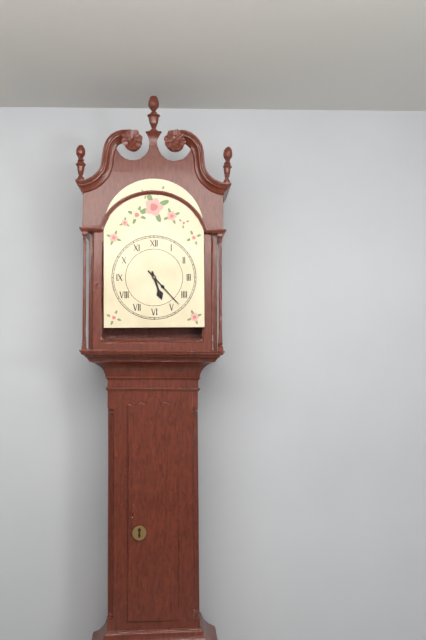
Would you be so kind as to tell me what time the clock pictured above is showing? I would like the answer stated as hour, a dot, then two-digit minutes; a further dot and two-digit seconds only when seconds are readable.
5.23
